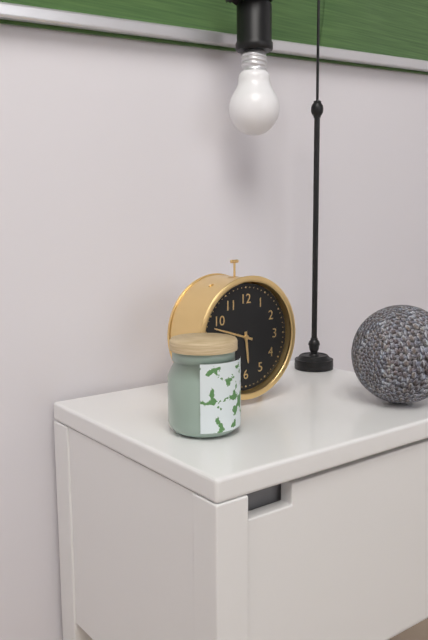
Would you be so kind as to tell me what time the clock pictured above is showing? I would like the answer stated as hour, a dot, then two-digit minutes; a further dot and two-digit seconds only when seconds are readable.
5.48
